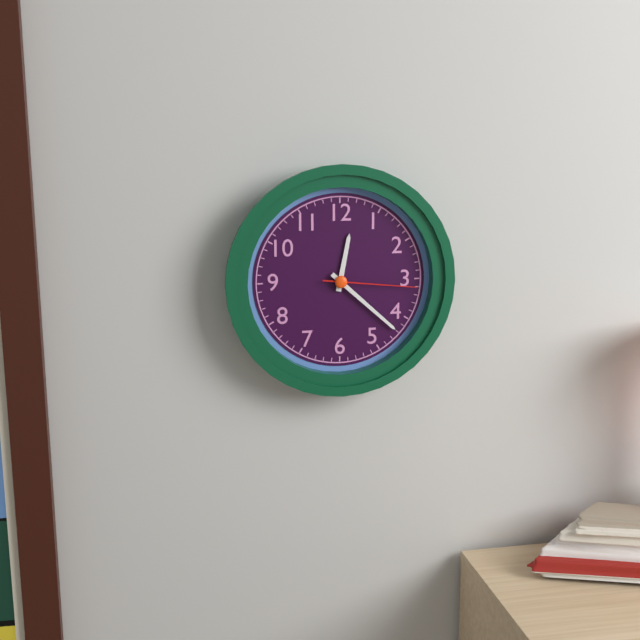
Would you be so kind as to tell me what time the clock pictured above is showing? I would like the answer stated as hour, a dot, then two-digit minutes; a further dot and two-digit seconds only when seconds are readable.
12.22.16
